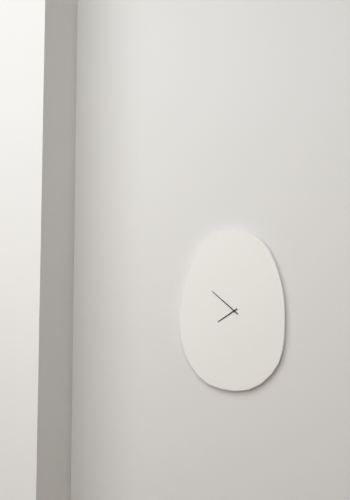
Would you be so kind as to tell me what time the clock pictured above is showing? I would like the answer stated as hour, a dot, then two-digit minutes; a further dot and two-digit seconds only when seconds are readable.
7.52
